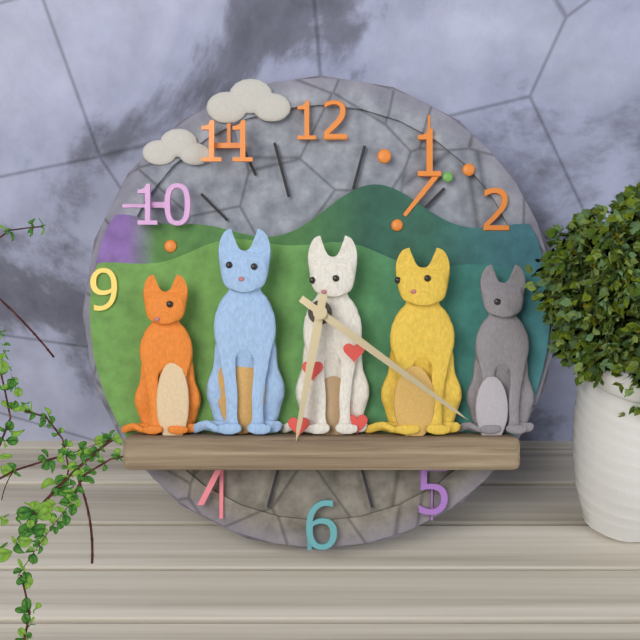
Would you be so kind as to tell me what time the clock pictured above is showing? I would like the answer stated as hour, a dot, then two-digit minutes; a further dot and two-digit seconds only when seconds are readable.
6.21
